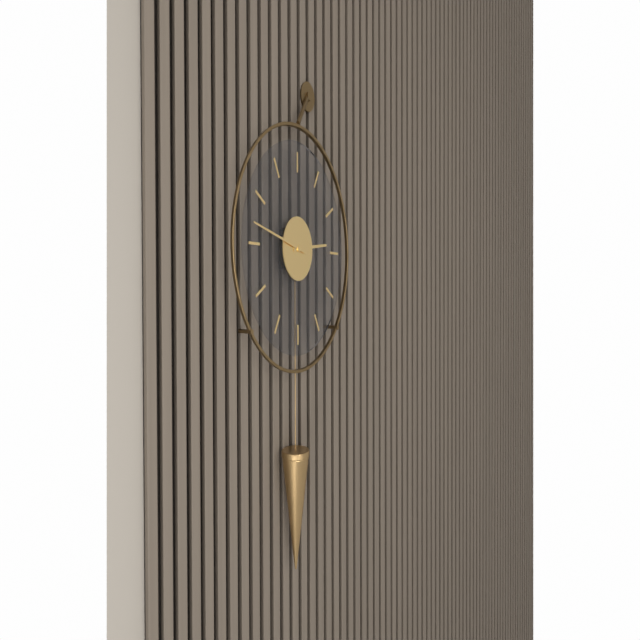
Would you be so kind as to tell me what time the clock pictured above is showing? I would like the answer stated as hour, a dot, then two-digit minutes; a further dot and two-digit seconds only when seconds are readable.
2.47
